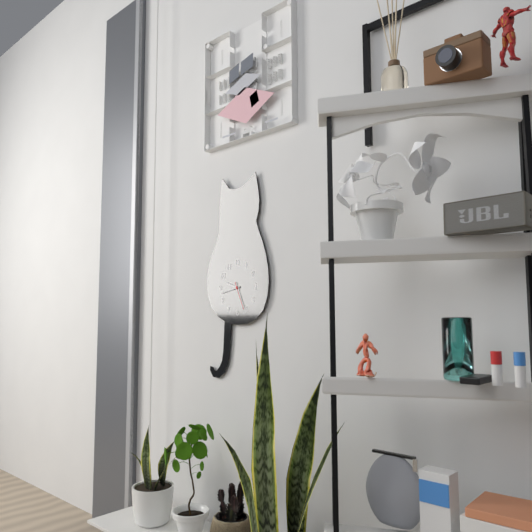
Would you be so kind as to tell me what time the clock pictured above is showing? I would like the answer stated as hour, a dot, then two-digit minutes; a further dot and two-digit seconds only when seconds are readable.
9.43
